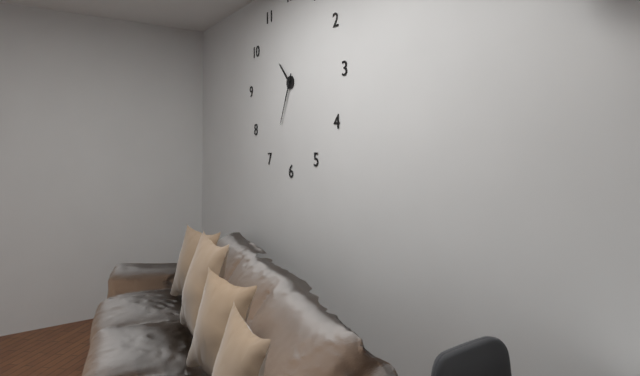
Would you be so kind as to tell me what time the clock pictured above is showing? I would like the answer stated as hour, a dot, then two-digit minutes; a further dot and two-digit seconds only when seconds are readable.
10.34
